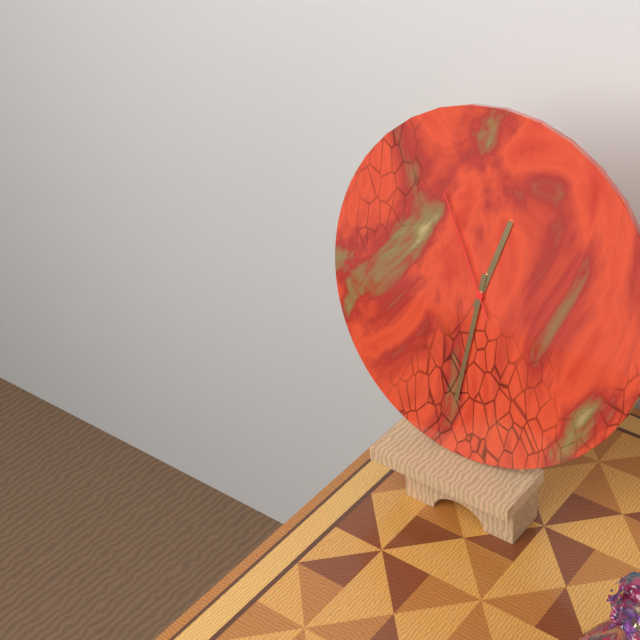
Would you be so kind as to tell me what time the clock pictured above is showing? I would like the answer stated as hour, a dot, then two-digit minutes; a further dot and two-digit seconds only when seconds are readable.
12.31.55
